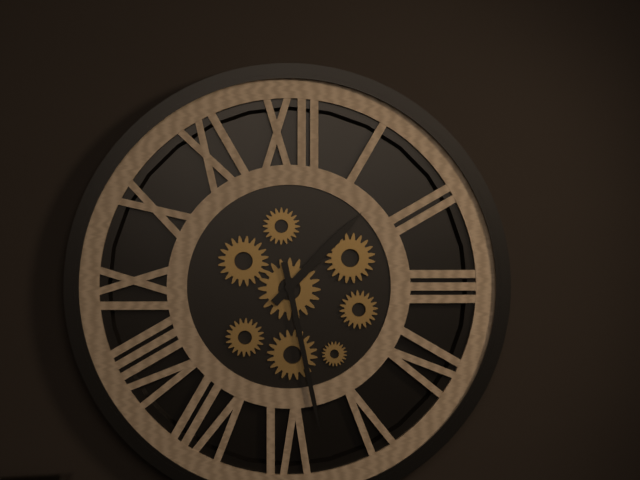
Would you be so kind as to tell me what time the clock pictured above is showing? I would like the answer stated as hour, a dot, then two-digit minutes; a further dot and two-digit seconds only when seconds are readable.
1.28
